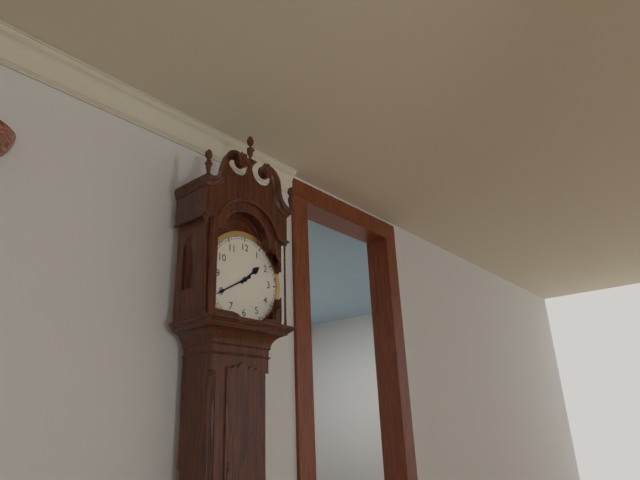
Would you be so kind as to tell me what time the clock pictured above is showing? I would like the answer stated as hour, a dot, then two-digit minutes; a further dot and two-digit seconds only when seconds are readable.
1.40
